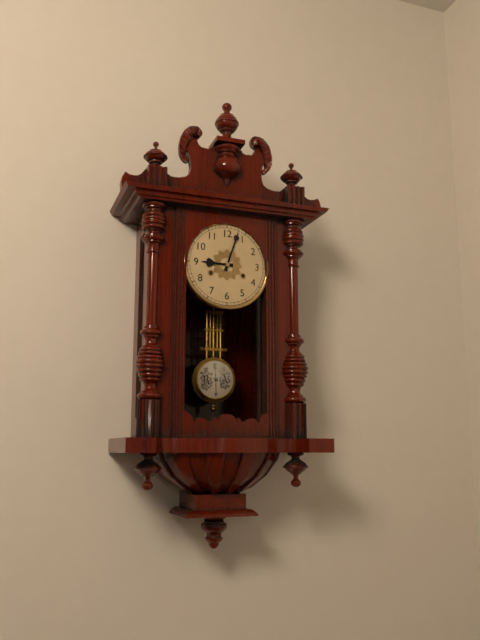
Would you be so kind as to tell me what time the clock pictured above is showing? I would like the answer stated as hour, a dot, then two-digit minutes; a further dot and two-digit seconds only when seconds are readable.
9.03
